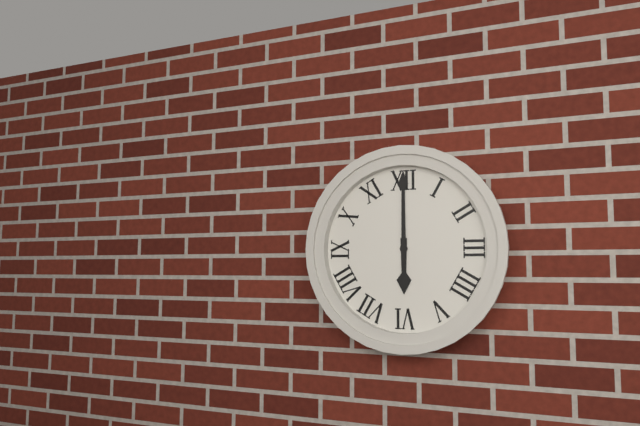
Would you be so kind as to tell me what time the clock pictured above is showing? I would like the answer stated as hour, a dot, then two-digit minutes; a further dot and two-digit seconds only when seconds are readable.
6.00
